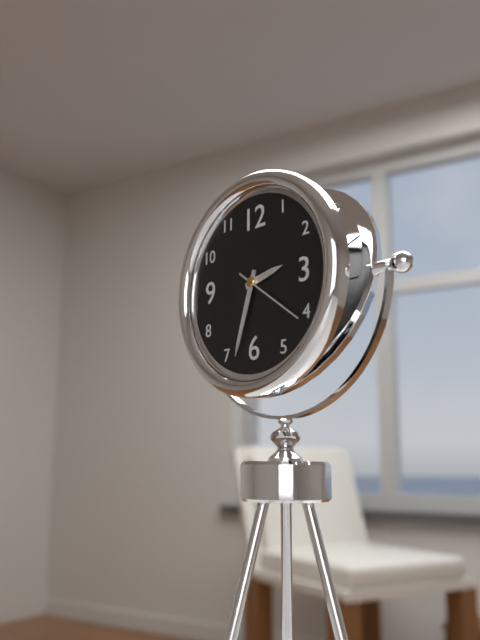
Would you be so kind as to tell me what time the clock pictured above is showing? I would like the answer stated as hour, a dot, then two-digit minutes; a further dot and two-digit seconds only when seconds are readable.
2.33.21
